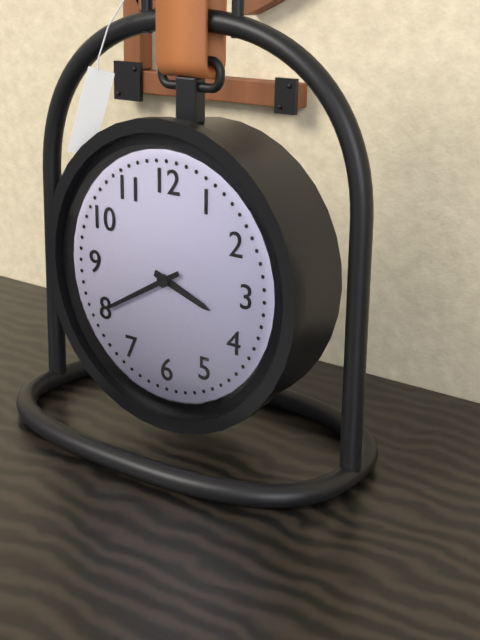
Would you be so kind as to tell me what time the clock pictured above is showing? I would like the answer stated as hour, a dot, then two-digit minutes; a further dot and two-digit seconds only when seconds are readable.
3.40
